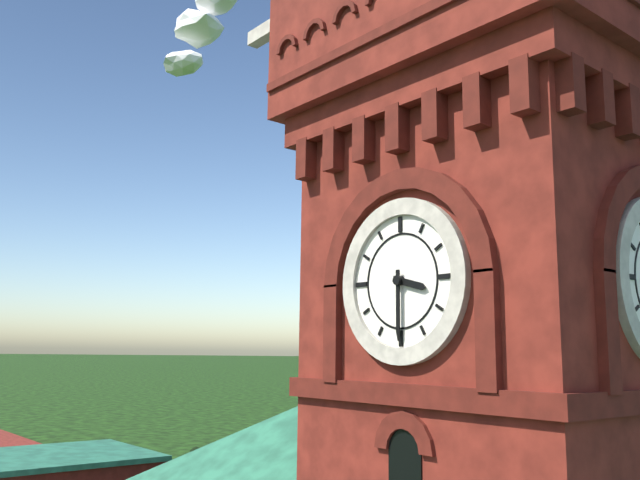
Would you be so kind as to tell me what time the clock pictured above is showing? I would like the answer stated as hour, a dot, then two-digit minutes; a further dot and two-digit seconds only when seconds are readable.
3.30
